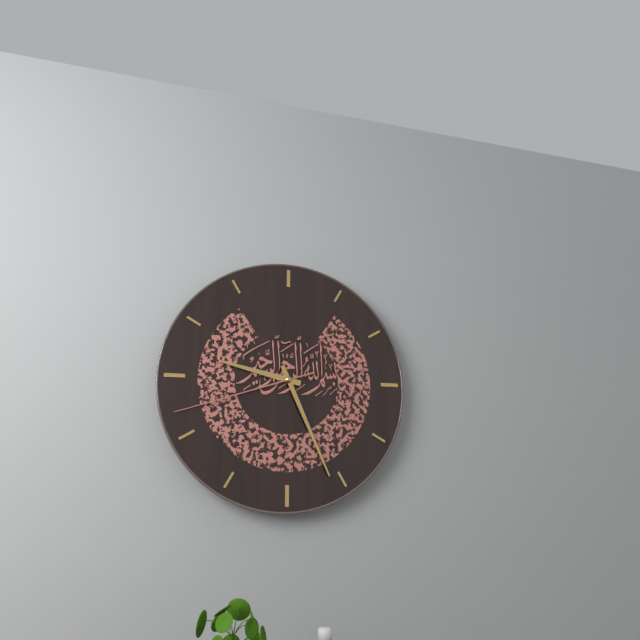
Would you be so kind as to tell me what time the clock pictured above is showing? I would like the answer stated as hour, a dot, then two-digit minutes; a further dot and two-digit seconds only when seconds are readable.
9.26.42
